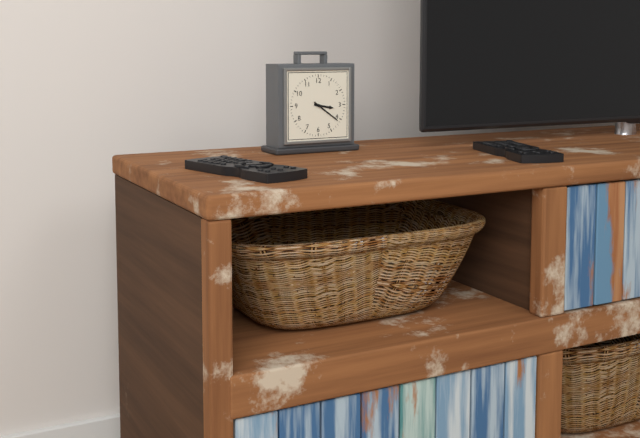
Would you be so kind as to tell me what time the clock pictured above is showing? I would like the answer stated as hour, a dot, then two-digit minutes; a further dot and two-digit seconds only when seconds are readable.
3.21
